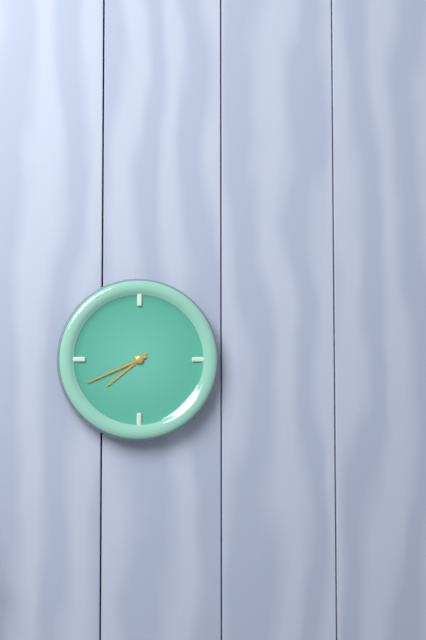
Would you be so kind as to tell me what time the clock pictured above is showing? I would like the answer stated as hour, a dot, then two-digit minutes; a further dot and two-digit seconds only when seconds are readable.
7.41
